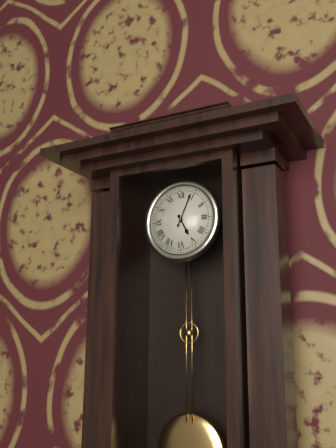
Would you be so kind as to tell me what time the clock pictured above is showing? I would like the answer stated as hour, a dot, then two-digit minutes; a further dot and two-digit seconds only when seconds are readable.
5.04
